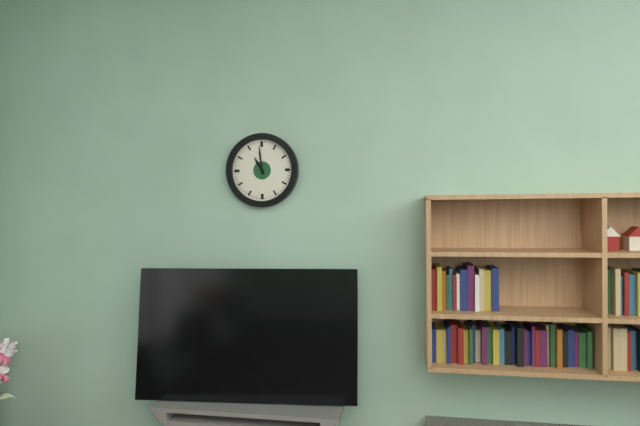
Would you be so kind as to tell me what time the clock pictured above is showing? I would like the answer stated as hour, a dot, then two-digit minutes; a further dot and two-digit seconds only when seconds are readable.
10.59
